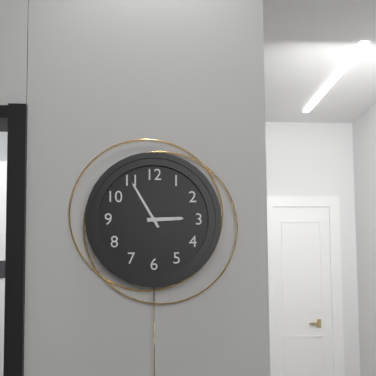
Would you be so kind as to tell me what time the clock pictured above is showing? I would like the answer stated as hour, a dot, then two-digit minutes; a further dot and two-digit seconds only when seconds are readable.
2.55
